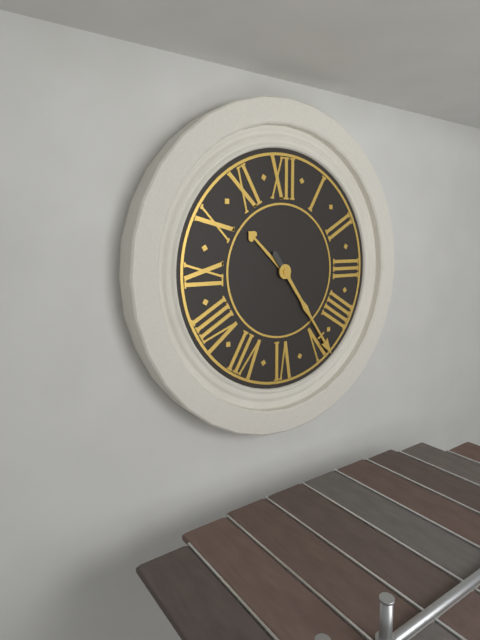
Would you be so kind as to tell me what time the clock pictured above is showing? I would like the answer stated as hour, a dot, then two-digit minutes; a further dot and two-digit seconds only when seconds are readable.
10.24
